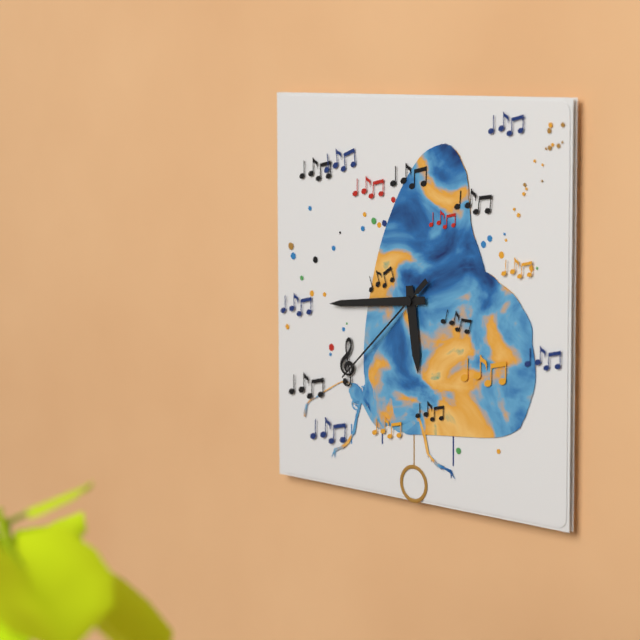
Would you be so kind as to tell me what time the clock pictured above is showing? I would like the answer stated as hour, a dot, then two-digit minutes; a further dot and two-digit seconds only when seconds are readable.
5.44.38
